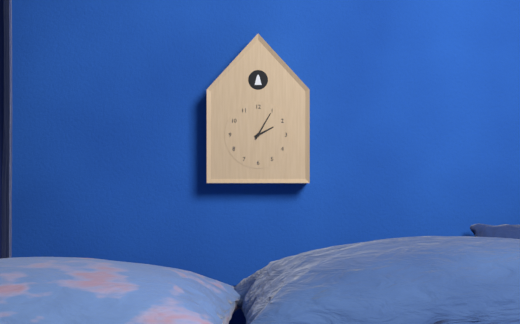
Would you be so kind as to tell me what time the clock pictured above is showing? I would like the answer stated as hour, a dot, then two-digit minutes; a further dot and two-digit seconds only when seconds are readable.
2.05
